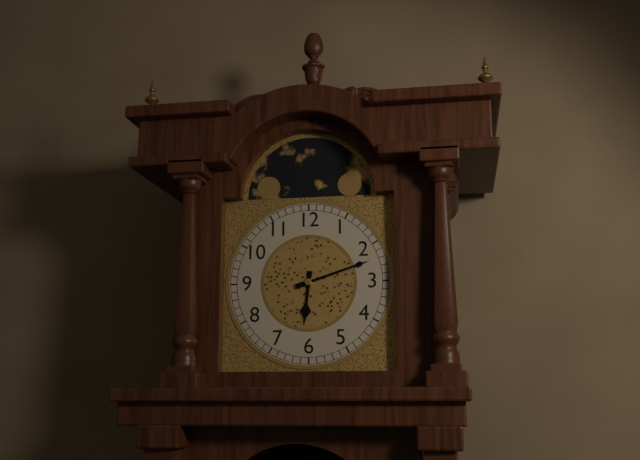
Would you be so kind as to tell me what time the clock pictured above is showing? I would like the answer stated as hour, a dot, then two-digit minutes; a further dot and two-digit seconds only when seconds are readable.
6.12
